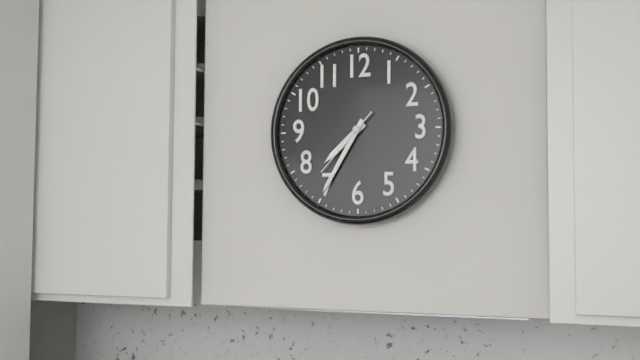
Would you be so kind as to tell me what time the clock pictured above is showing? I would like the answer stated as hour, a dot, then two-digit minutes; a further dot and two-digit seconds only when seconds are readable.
7.35.37
